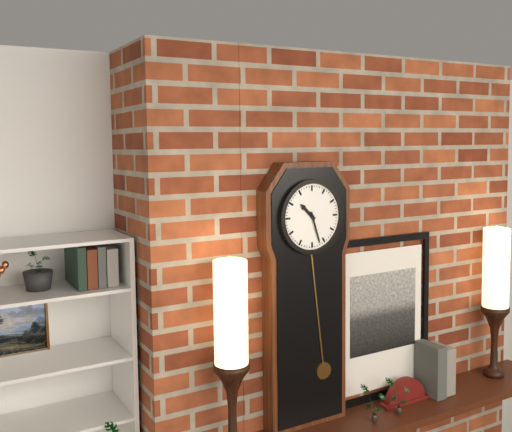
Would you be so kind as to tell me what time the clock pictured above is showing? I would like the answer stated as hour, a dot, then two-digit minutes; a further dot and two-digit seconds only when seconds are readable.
10.27
